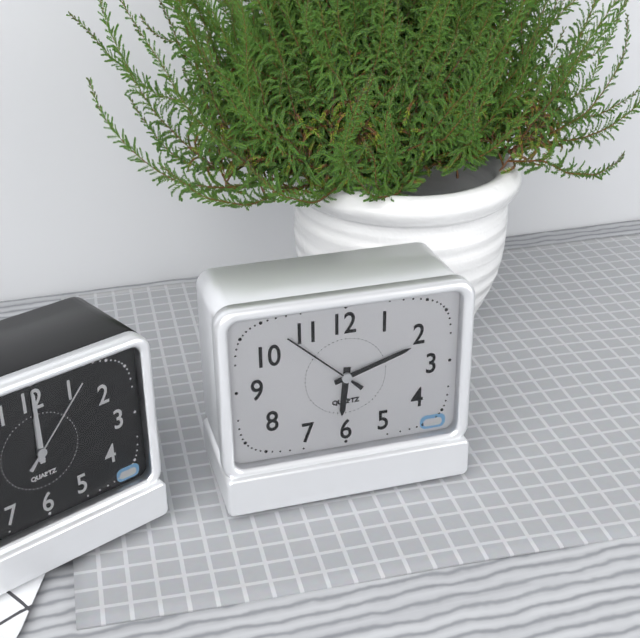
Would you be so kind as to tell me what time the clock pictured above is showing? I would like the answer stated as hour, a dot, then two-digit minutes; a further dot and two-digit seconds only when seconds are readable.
6.12.52
